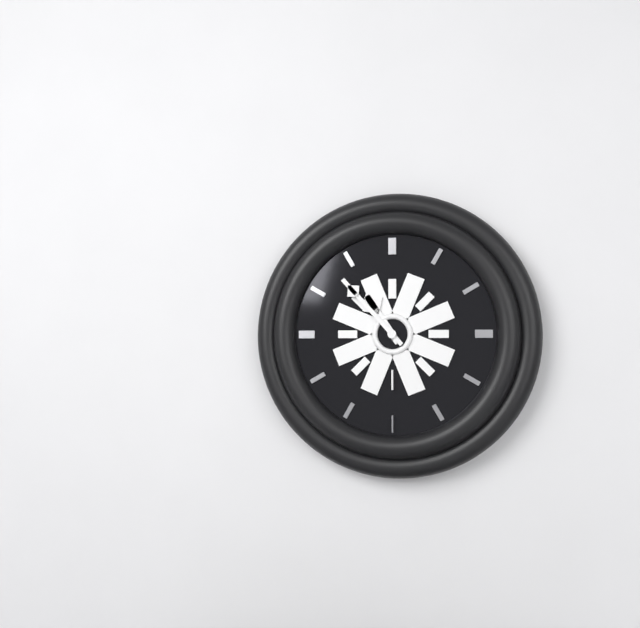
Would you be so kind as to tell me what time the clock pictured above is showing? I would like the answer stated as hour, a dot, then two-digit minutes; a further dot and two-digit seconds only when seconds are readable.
10.53
